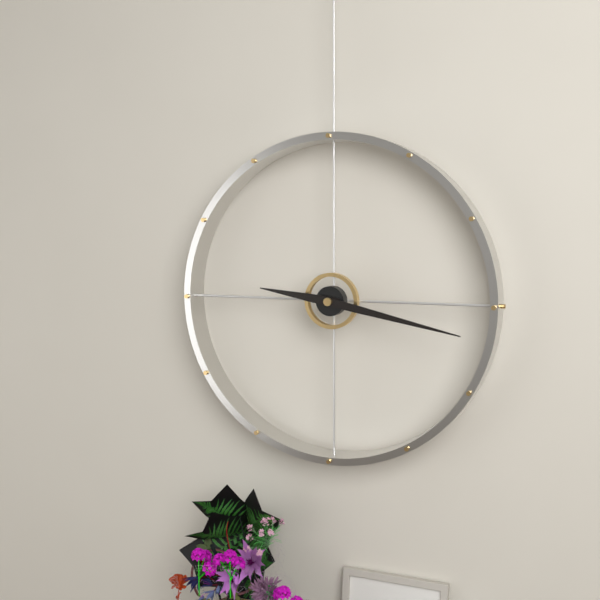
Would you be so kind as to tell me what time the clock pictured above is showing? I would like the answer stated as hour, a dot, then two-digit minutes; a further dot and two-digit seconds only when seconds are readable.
9.17
